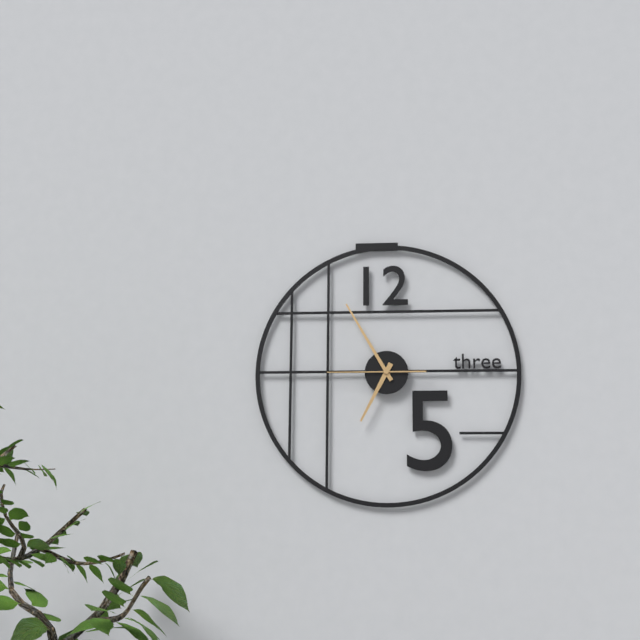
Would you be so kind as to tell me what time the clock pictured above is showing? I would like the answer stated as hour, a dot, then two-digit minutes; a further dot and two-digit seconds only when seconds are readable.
6.55.45
